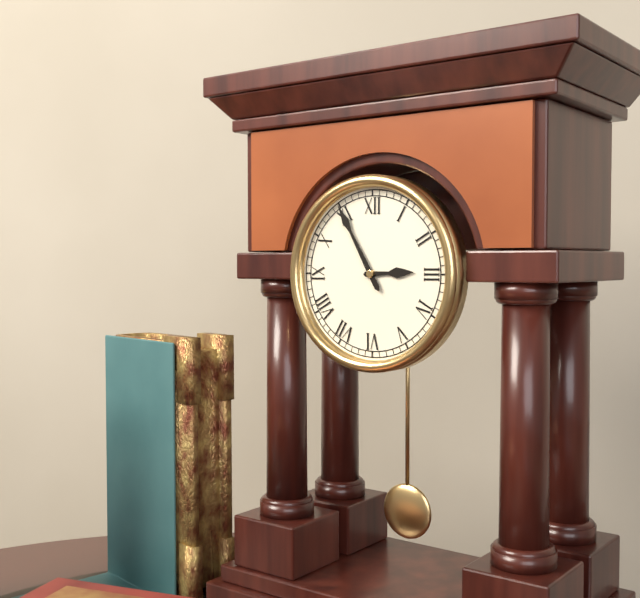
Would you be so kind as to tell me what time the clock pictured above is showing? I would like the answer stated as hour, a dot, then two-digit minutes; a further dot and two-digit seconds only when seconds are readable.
2.55
